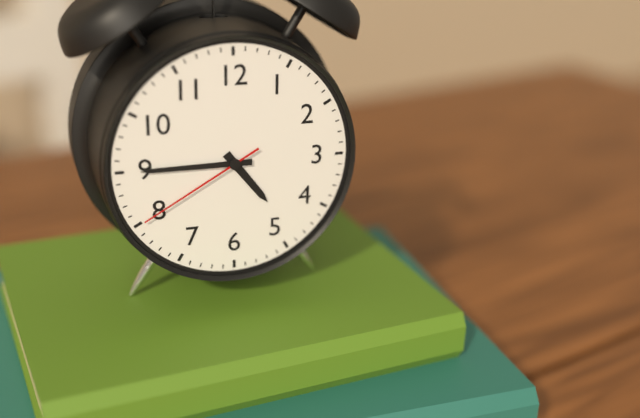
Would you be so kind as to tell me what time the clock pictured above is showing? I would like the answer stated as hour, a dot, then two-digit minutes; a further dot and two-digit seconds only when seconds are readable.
4.45.40
